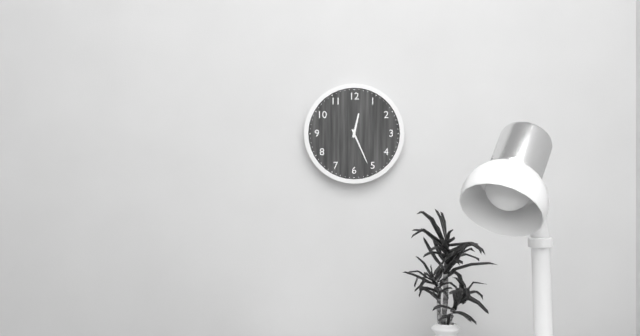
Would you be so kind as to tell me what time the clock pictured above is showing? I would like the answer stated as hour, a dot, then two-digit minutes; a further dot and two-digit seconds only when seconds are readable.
12.26
